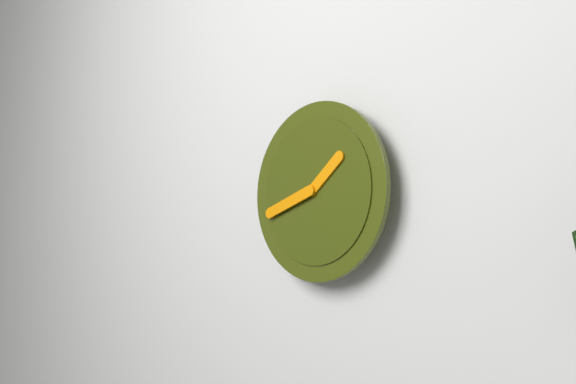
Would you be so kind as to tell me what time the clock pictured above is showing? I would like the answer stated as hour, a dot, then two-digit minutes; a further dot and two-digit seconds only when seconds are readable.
1.42
